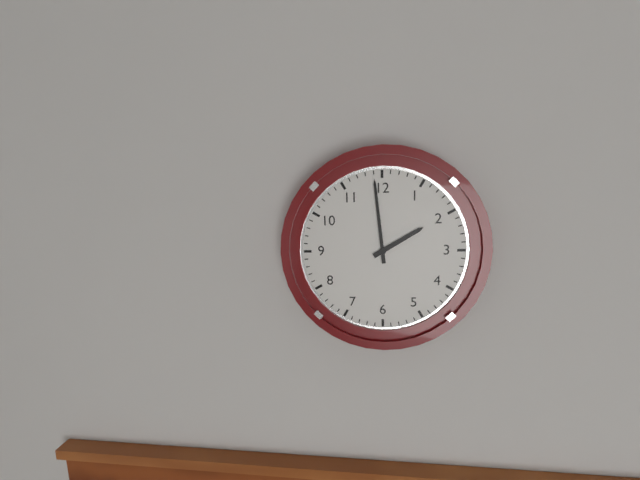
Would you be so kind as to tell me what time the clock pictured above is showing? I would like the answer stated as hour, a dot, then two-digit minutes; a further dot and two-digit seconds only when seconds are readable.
1.59
